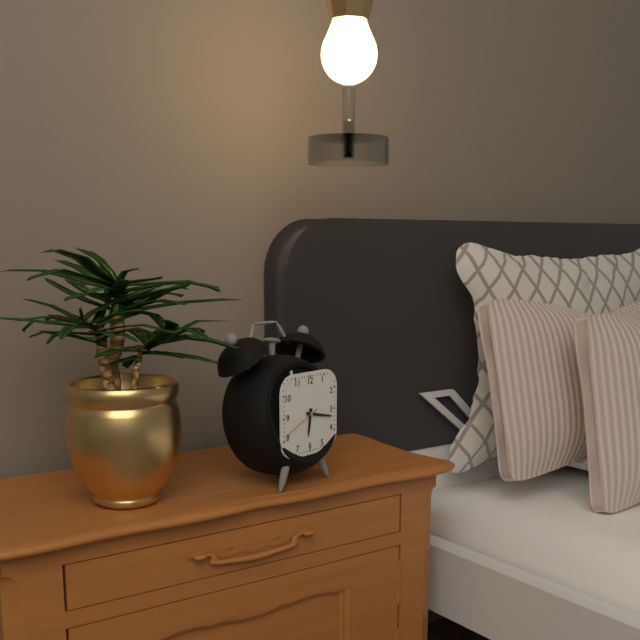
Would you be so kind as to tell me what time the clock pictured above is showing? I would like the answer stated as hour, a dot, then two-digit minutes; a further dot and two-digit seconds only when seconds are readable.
6.17
